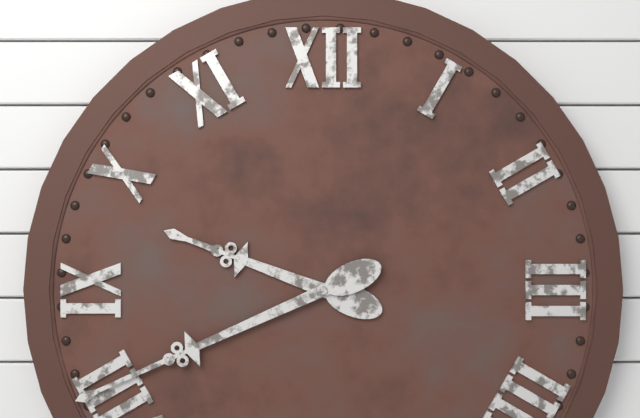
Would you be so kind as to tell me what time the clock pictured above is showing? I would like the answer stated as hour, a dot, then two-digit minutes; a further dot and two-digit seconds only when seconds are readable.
9.41
